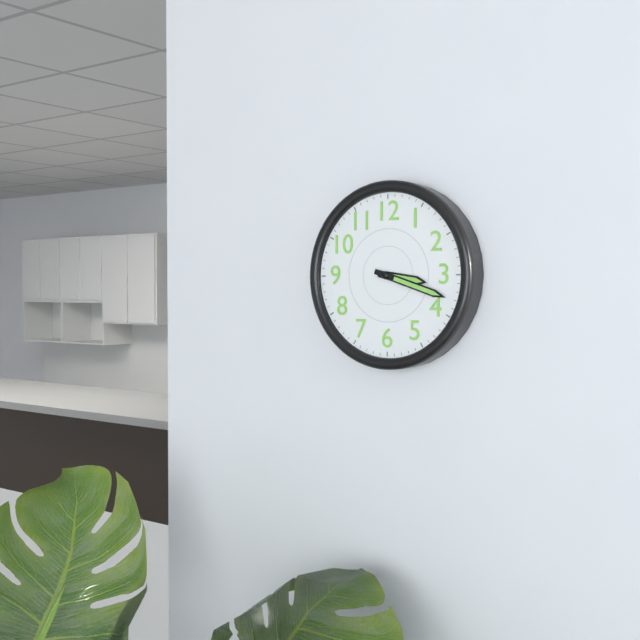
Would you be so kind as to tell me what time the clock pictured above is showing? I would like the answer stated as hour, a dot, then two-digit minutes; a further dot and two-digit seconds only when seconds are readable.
3.18
